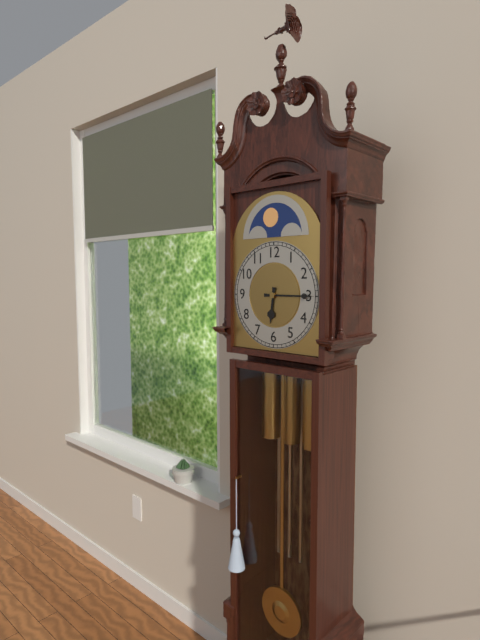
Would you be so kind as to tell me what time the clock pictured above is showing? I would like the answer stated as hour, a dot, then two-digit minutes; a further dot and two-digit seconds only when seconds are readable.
6.15
